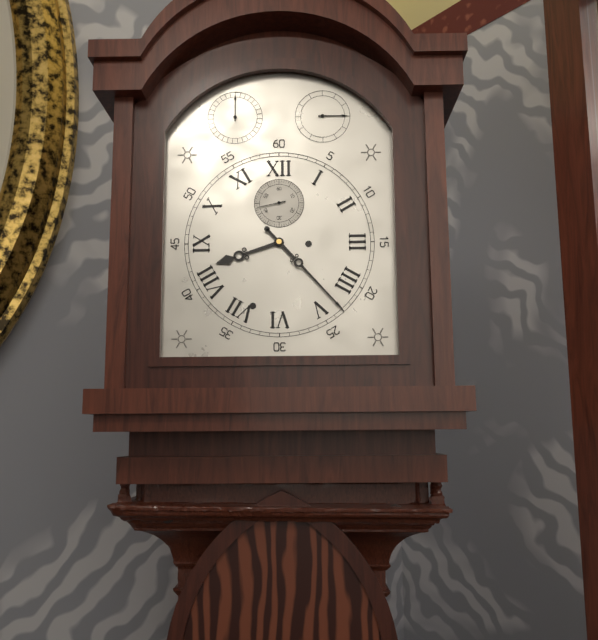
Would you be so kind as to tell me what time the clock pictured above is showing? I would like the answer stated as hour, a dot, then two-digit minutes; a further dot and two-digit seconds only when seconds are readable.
8.23
